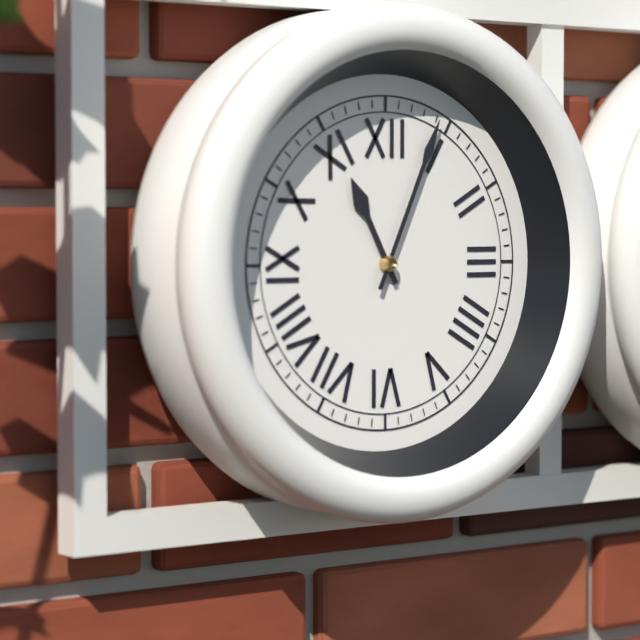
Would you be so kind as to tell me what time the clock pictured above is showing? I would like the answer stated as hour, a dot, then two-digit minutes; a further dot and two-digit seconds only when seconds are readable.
11.04
